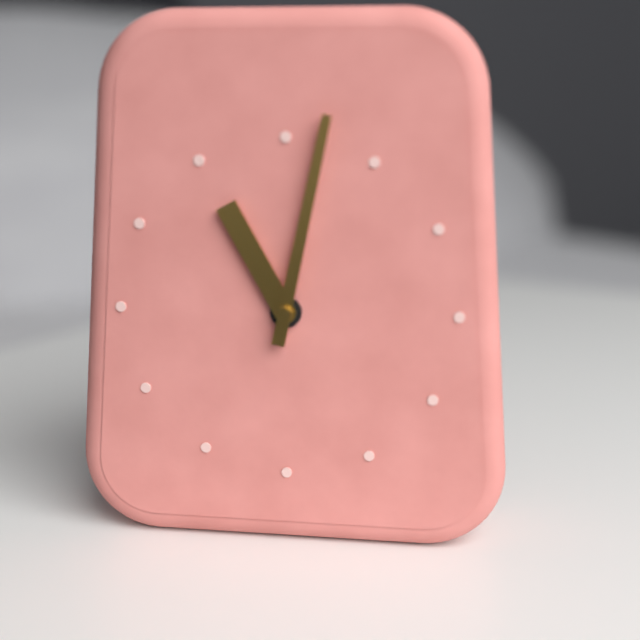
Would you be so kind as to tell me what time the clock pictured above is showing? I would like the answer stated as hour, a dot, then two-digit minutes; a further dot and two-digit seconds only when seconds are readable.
11.02
